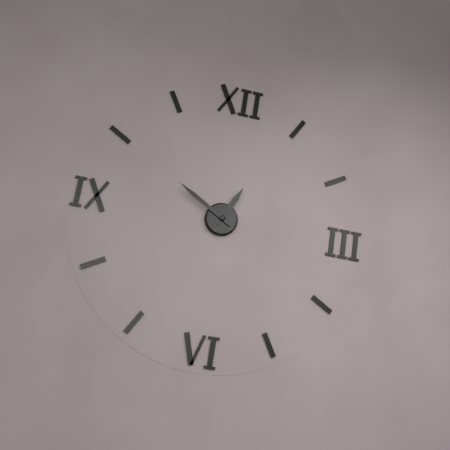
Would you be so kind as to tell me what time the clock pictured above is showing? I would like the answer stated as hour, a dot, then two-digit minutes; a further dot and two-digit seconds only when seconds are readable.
12.50
